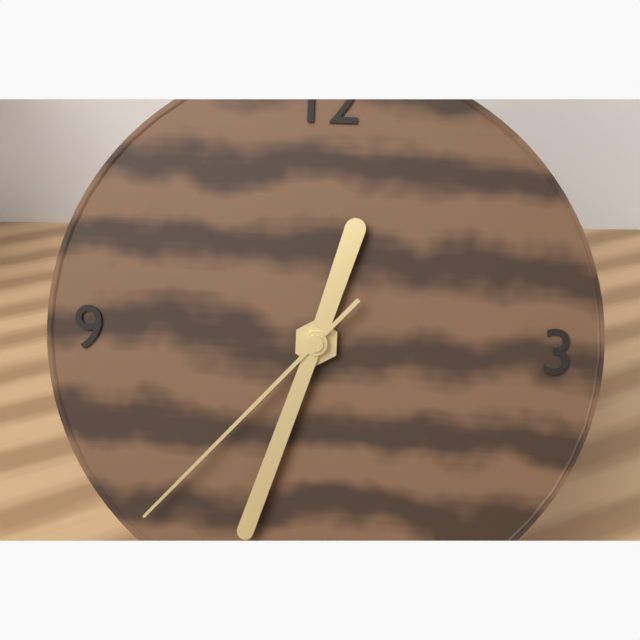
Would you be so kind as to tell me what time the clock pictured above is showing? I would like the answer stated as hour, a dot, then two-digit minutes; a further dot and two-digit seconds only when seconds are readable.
12.33.37
